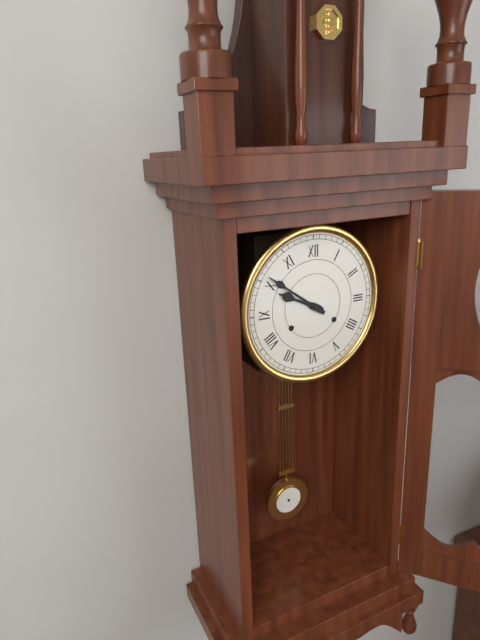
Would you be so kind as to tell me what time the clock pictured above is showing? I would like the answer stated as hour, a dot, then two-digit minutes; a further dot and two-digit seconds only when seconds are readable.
9.51
